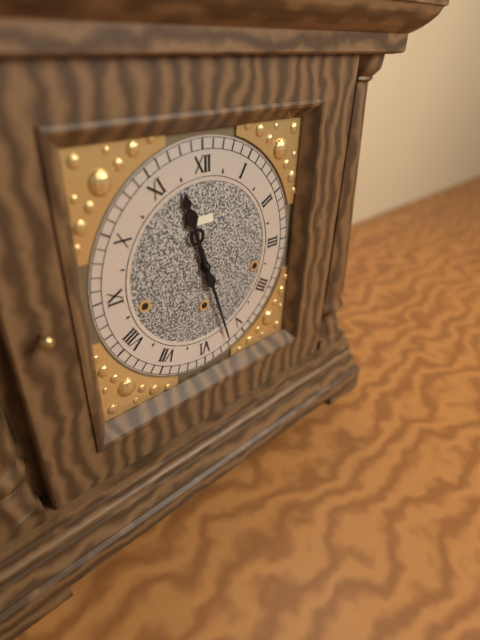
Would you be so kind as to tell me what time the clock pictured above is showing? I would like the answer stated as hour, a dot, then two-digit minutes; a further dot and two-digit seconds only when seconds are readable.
11.27
